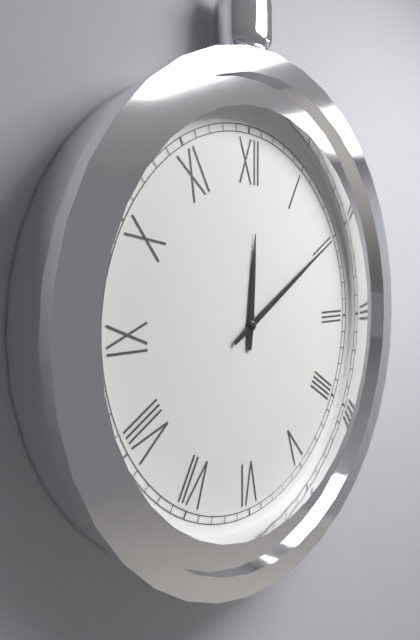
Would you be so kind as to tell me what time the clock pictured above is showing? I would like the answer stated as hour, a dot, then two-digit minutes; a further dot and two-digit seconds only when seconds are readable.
12.10
